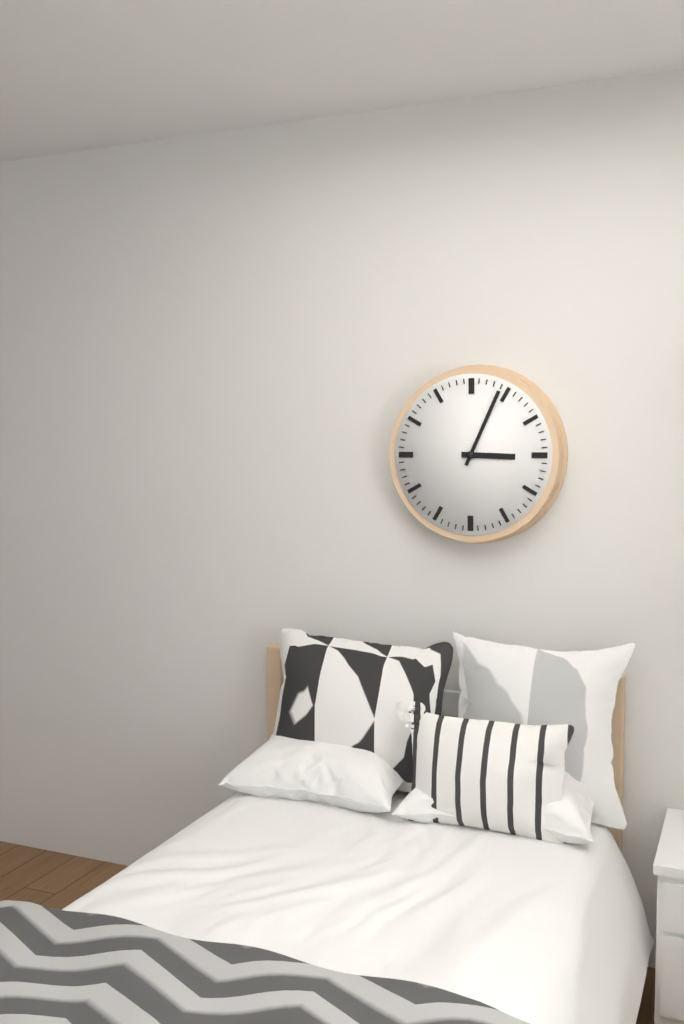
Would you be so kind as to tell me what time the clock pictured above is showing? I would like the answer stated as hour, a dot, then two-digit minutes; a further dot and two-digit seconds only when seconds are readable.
3.04
